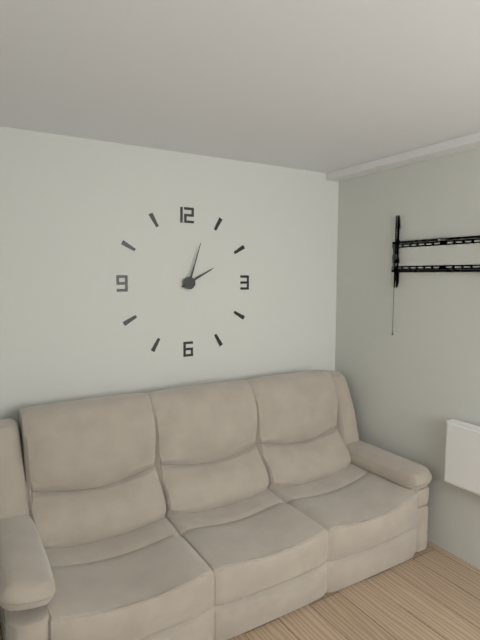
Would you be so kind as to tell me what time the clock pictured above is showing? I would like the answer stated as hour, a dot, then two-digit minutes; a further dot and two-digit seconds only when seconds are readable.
2.03
